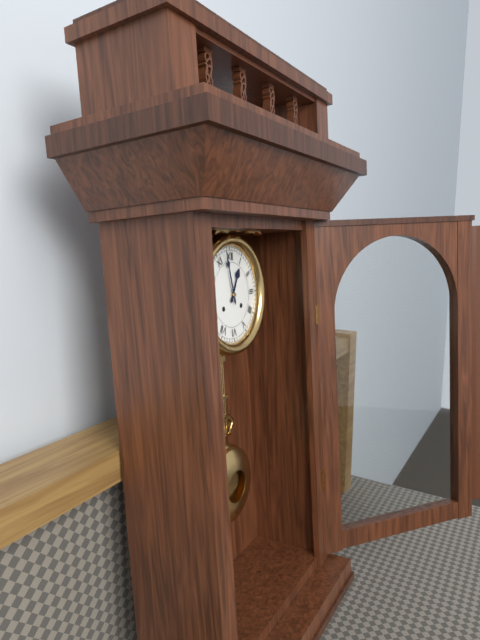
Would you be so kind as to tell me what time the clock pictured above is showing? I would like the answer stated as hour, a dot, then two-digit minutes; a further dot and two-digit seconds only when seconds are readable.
12.58
